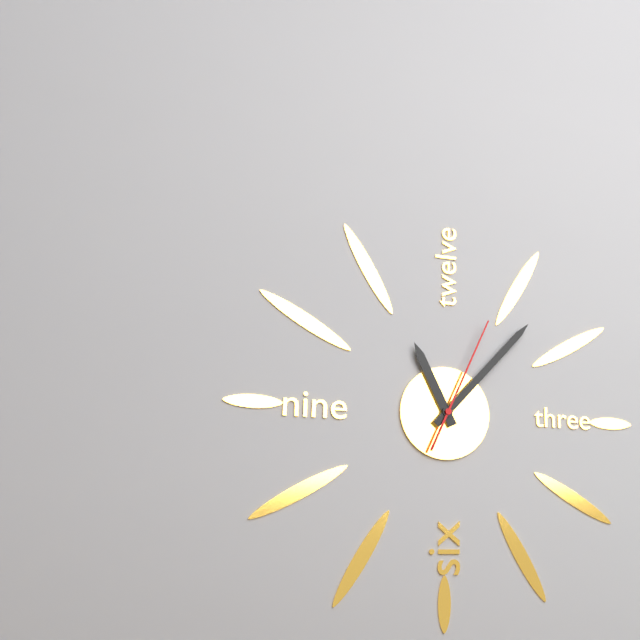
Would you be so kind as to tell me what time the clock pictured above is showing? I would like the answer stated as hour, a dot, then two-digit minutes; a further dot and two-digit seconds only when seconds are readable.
11.07.04
